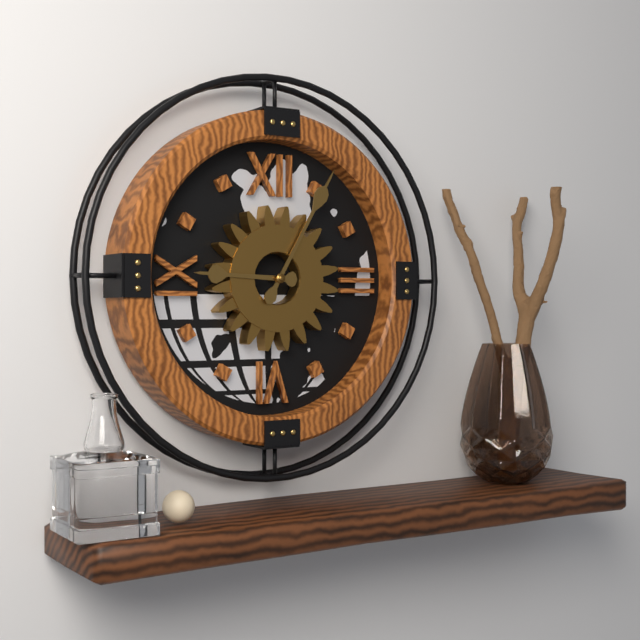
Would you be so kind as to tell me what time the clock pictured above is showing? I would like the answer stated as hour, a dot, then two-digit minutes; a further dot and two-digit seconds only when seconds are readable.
9.05
